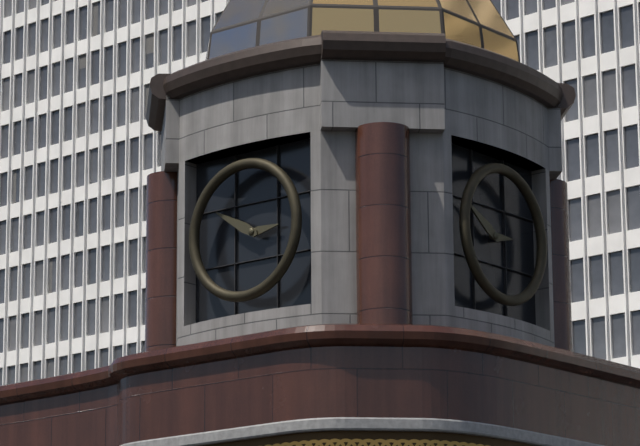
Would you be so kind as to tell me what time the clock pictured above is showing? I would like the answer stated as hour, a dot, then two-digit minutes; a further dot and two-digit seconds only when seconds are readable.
2.50
